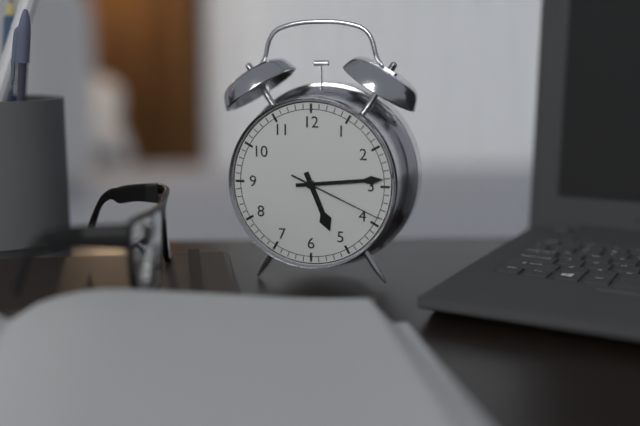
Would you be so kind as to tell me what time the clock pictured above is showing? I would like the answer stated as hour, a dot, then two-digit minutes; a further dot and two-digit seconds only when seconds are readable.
5.14.19
